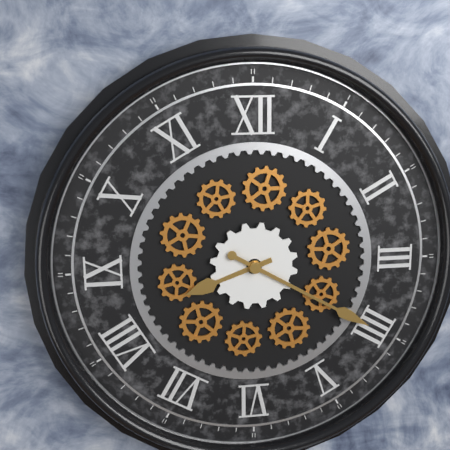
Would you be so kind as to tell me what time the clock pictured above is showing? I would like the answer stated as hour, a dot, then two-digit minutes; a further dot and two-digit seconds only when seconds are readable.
8.20
